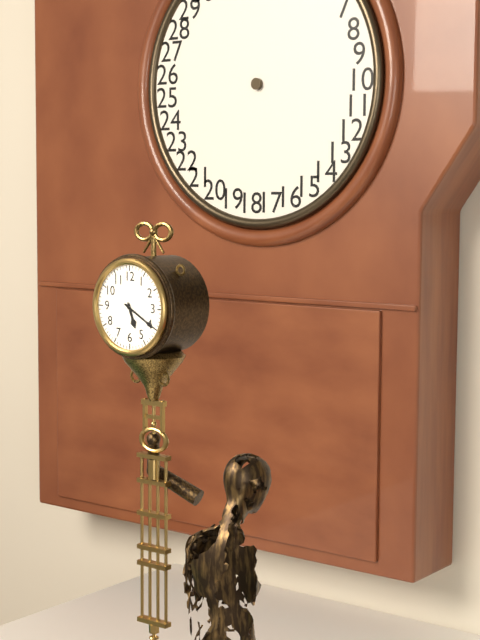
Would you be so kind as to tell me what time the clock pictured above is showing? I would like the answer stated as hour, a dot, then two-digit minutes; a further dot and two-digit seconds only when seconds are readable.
5.20
